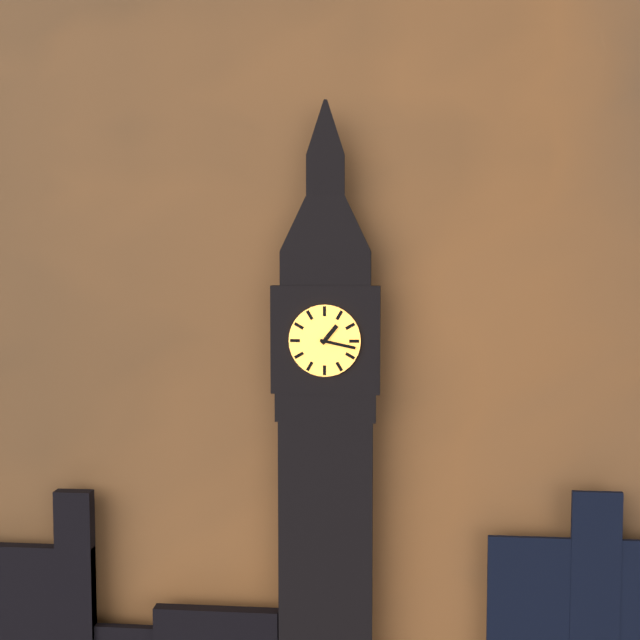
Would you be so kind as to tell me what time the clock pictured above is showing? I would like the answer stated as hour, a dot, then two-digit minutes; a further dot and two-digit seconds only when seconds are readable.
1.17
